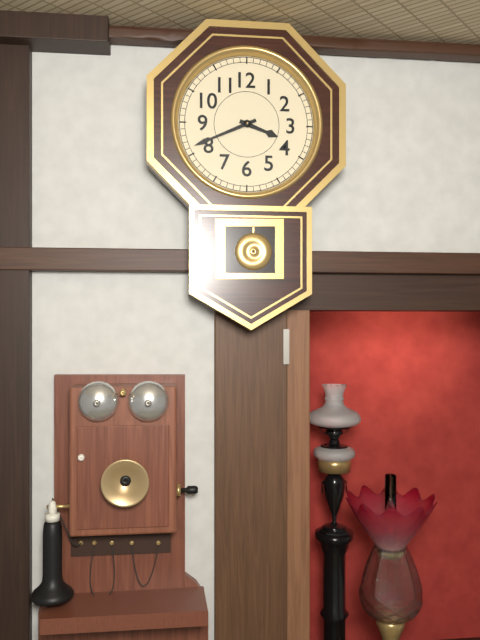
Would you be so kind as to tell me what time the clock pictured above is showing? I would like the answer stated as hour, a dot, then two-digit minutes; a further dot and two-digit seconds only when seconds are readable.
3.41
